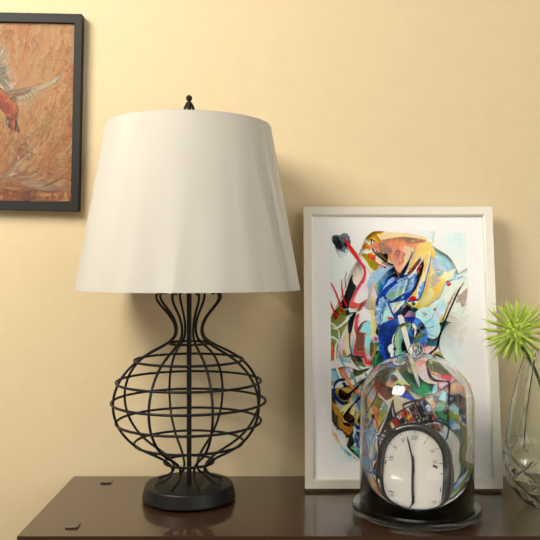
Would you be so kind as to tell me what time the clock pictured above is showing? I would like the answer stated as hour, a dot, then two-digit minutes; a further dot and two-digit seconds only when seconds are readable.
5.57
